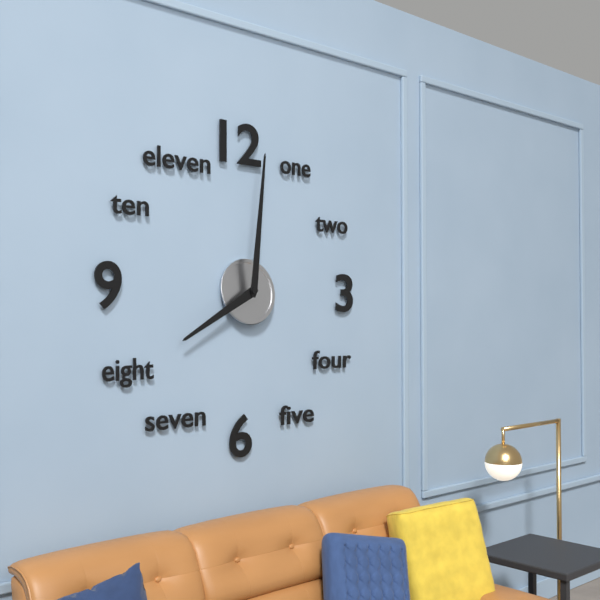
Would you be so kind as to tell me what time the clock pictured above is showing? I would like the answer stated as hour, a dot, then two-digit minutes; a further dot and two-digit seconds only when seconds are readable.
8.01
